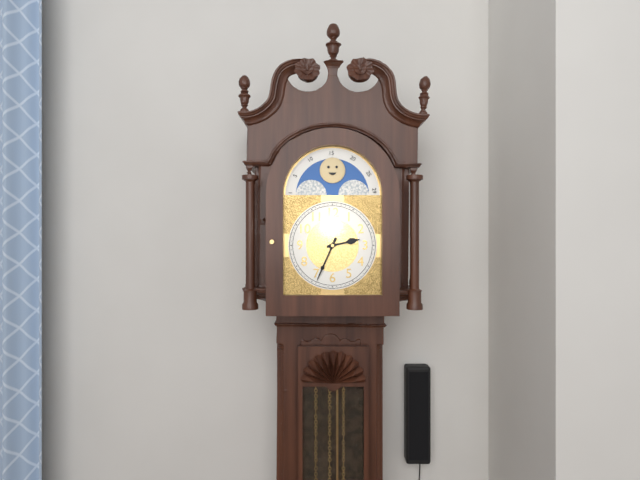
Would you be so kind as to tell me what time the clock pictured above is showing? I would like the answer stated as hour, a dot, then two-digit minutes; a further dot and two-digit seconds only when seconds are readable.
2.34
